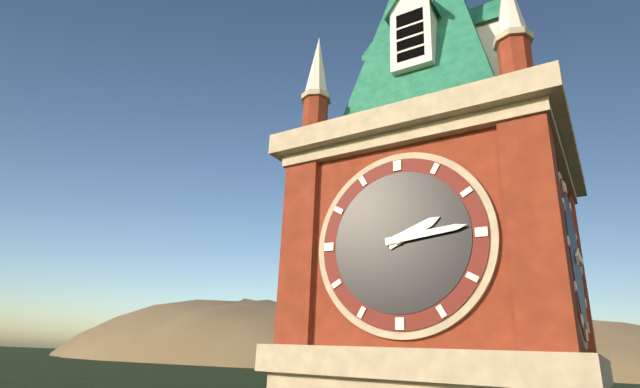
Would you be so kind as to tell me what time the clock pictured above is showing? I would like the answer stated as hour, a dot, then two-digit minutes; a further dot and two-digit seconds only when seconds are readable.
2.14
